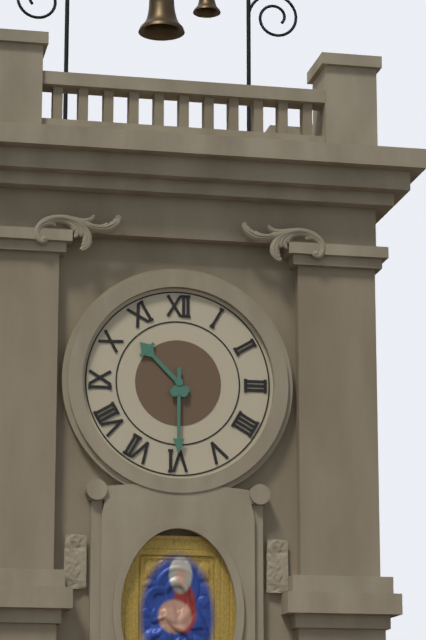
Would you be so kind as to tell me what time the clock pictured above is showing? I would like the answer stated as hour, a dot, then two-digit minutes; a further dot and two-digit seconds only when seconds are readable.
10.30
